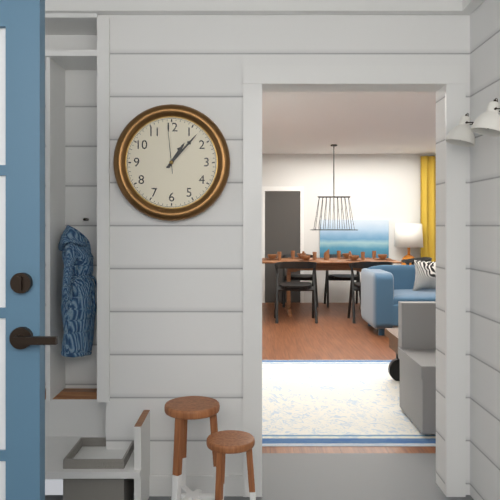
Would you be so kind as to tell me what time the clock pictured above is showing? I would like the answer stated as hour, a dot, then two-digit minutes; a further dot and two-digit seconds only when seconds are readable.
1.07.59
